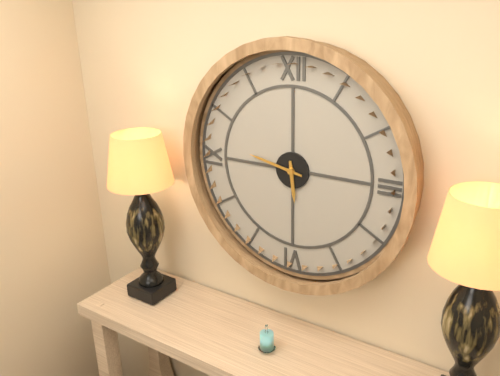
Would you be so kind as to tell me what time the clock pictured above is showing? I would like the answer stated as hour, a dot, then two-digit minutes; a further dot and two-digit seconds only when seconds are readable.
5.47
